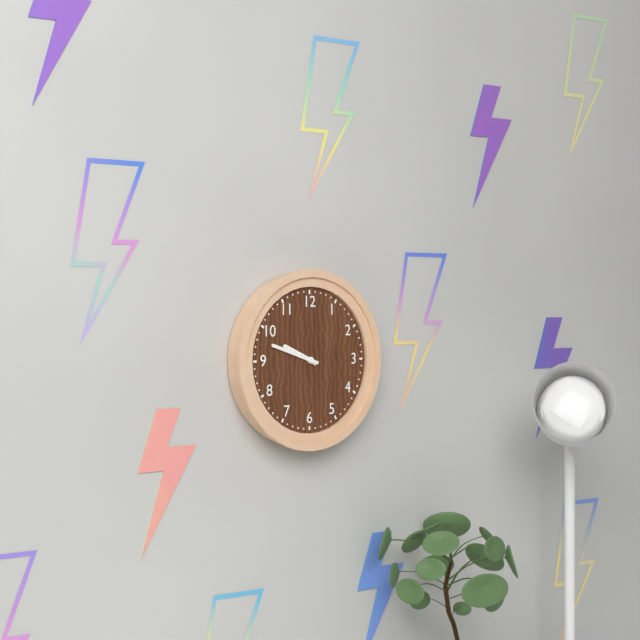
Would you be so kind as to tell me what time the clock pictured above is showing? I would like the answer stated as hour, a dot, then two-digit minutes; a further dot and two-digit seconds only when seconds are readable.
9.48
